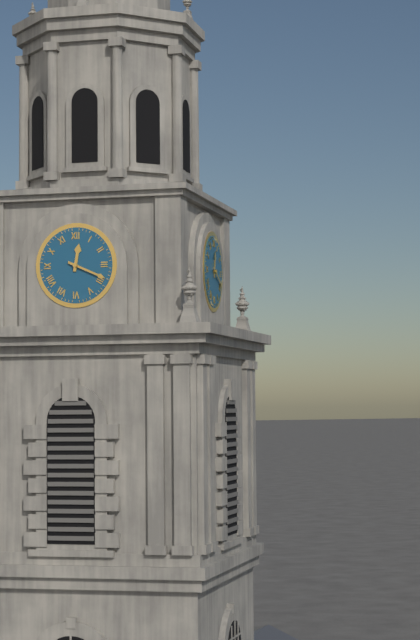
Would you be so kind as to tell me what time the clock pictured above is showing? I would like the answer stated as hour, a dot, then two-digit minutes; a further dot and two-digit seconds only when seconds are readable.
12.19
